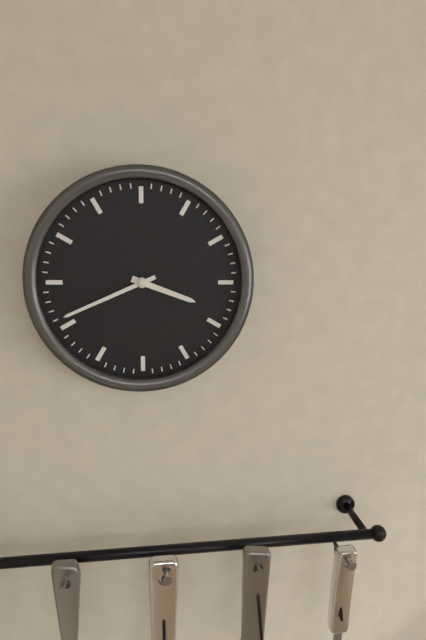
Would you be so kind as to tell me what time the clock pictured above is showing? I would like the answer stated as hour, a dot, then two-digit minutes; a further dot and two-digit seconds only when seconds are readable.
3.41
